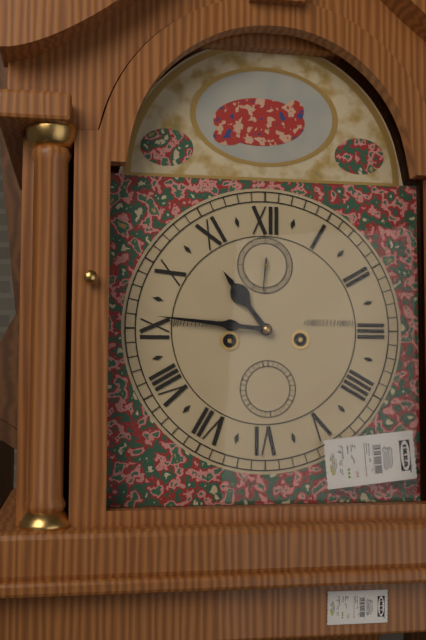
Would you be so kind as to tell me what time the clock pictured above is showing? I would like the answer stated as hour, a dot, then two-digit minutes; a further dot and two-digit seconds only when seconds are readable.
10.46
